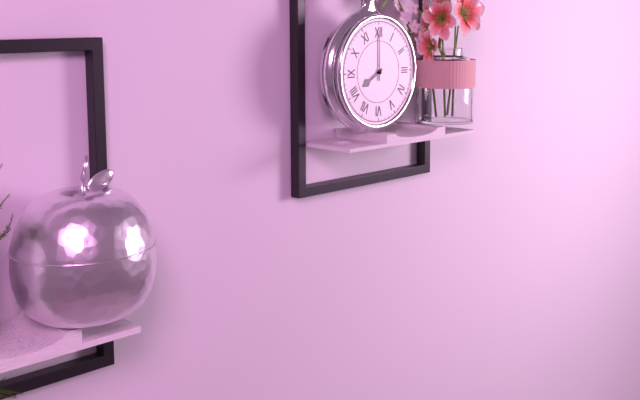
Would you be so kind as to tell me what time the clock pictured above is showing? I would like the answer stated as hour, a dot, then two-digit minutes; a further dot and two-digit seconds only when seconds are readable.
8.00
